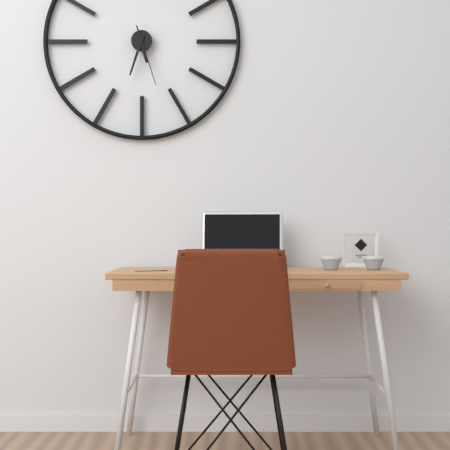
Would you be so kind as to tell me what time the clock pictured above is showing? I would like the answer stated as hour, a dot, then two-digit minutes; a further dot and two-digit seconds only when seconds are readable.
5.33.27
